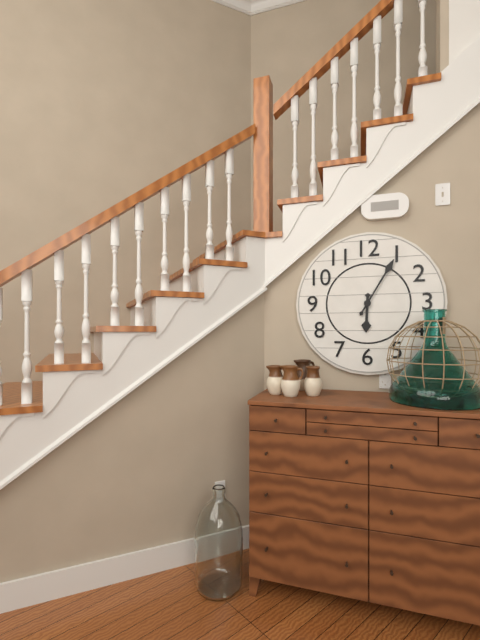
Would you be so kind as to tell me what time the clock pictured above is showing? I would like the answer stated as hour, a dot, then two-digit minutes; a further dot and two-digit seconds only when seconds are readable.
6.05
